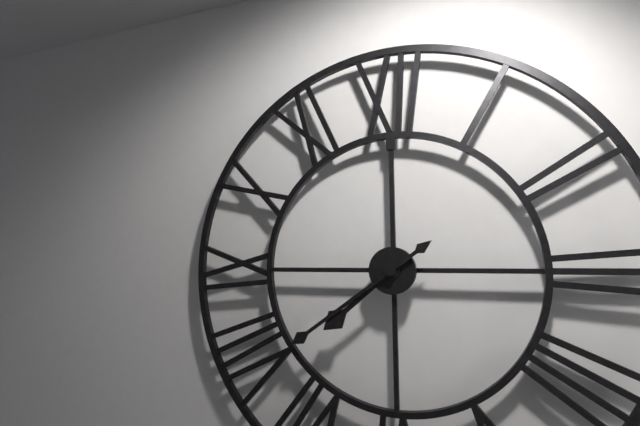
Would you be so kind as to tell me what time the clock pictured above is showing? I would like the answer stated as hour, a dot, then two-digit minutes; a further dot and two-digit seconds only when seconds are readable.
7.39
